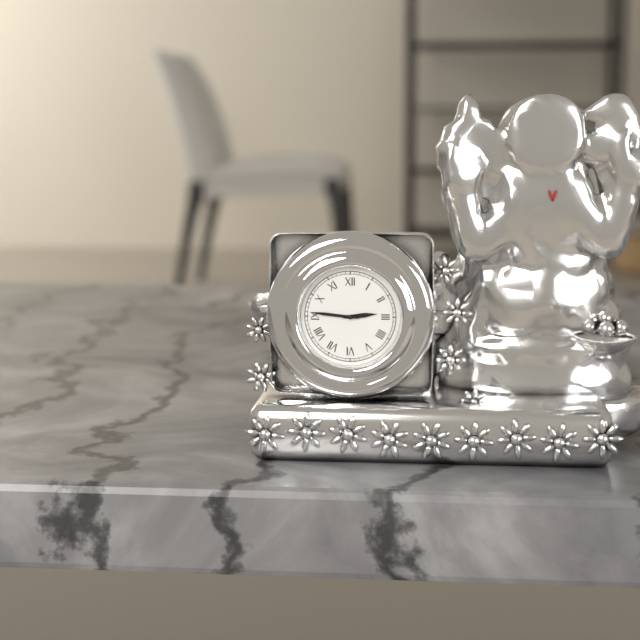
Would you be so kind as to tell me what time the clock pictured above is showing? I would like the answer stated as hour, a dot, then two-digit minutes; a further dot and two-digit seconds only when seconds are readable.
2.46
